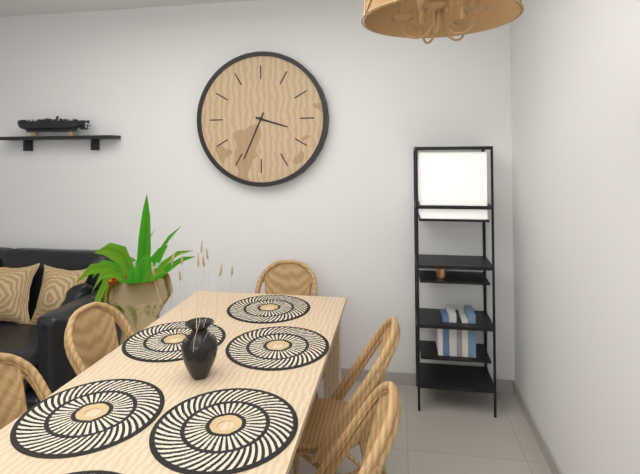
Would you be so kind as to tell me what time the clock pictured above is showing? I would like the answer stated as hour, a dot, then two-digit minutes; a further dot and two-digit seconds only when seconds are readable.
3.34
